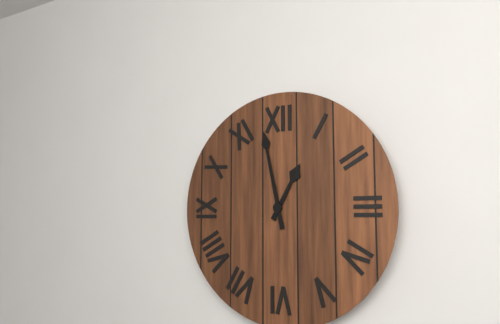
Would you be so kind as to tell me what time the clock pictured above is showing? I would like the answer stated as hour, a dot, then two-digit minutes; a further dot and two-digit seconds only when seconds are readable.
12.58
